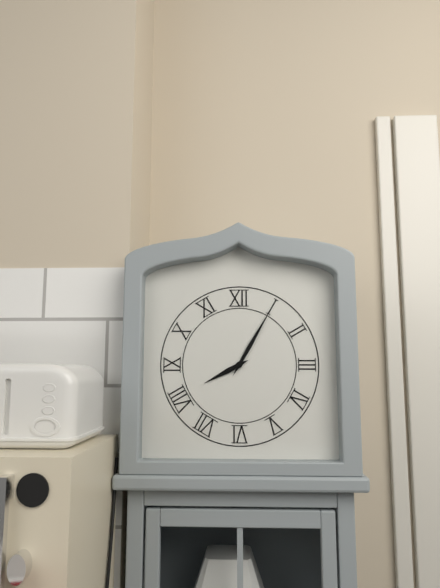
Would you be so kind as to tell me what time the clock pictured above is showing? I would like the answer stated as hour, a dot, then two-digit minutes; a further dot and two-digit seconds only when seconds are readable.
8.05
